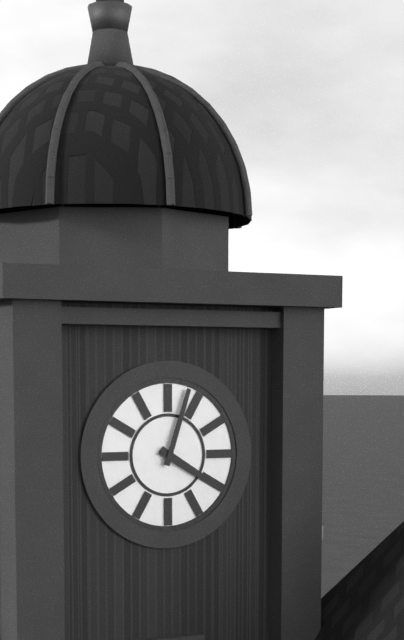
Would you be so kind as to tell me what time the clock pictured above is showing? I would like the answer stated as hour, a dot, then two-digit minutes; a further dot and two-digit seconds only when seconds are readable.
4.03
